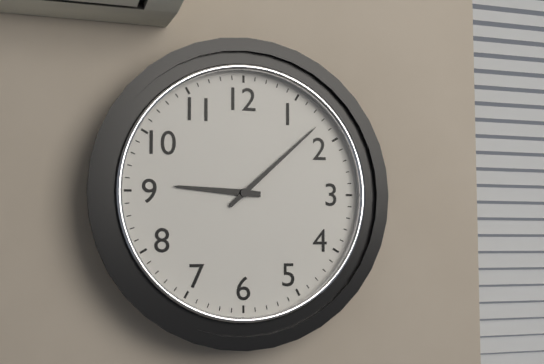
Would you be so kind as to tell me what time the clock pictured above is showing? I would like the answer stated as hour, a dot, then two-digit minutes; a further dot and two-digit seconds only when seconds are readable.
9.08
